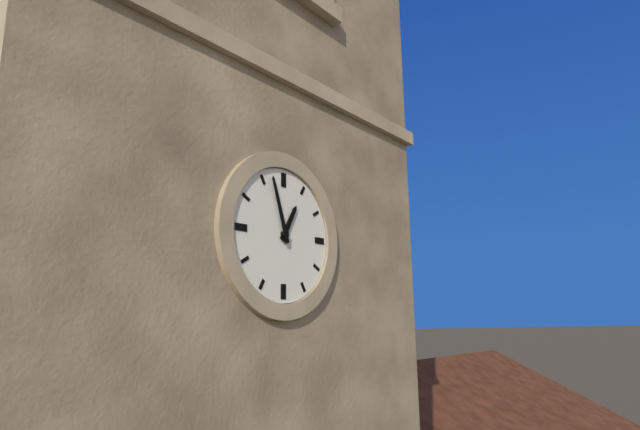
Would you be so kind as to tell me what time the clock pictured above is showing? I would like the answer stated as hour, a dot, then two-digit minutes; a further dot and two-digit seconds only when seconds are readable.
12.57
